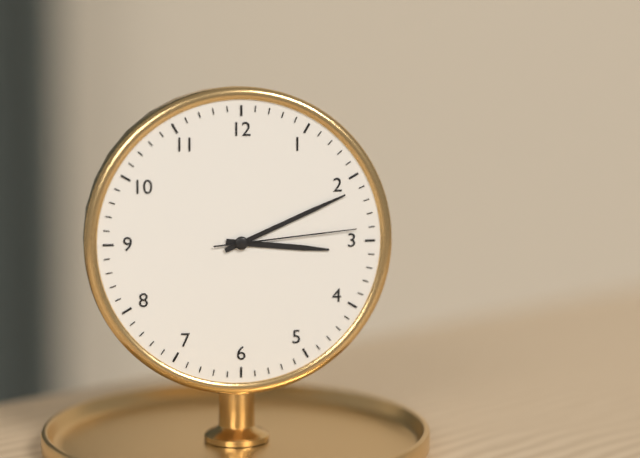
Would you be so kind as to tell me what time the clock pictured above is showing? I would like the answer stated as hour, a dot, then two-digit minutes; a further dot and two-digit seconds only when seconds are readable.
3.11.14
